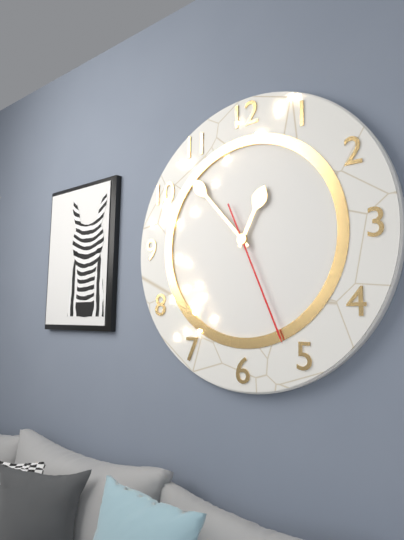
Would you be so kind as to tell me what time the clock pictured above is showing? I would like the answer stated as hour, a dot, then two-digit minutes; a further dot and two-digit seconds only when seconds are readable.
12.53.26
